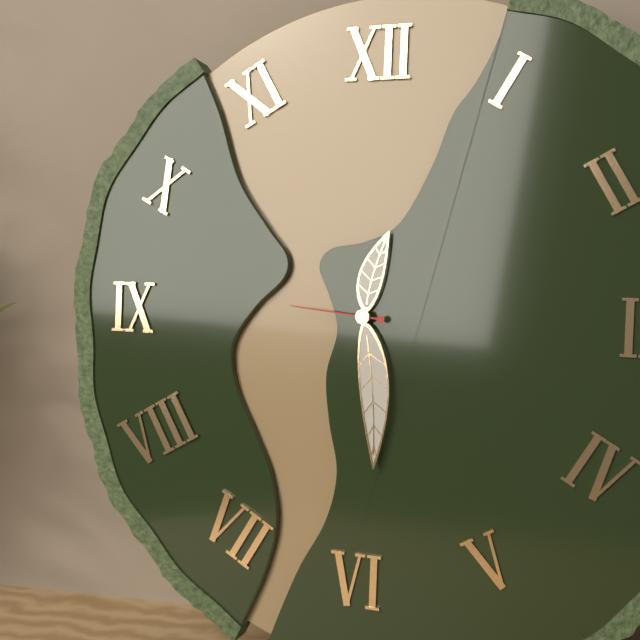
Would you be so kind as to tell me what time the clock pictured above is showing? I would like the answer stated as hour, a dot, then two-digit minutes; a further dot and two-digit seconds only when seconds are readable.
12.29.46
